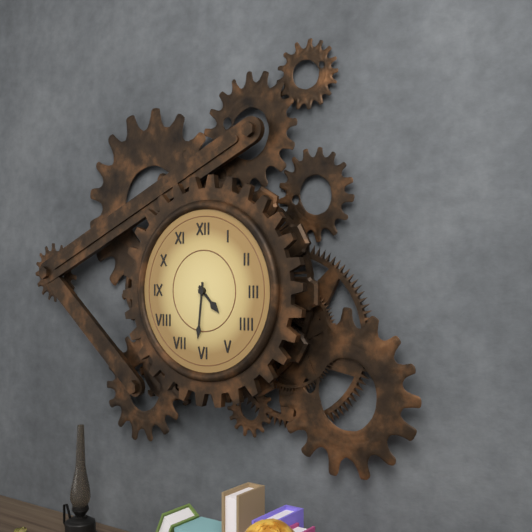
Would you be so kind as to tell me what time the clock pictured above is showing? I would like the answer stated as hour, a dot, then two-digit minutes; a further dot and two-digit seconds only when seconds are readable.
4.31
